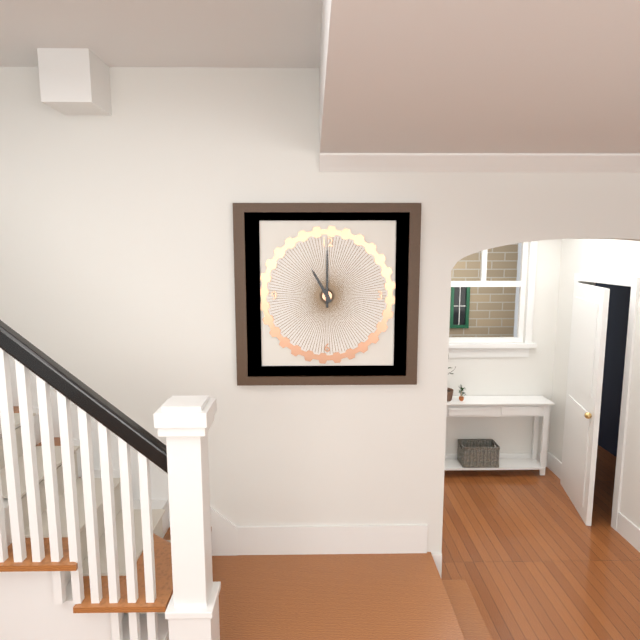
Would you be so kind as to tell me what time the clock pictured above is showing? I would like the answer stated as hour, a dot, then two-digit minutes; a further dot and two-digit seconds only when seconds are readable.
11.00
